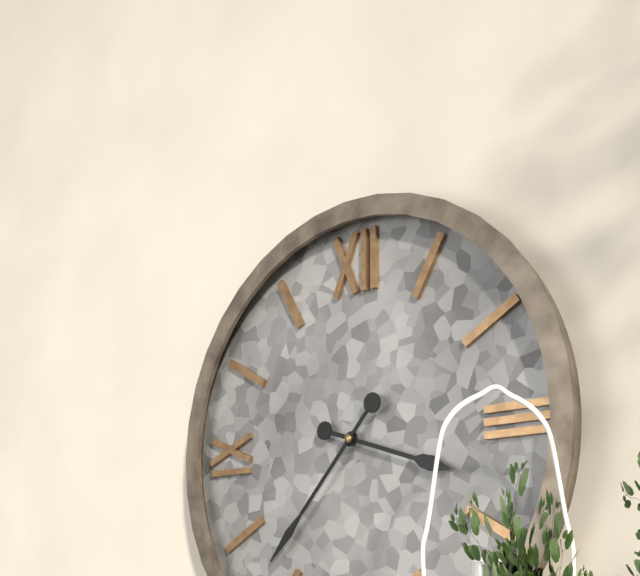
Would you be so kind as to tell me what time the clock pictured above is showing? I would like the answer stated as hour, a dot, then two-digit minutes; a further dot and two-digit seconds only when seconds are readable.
3.37
